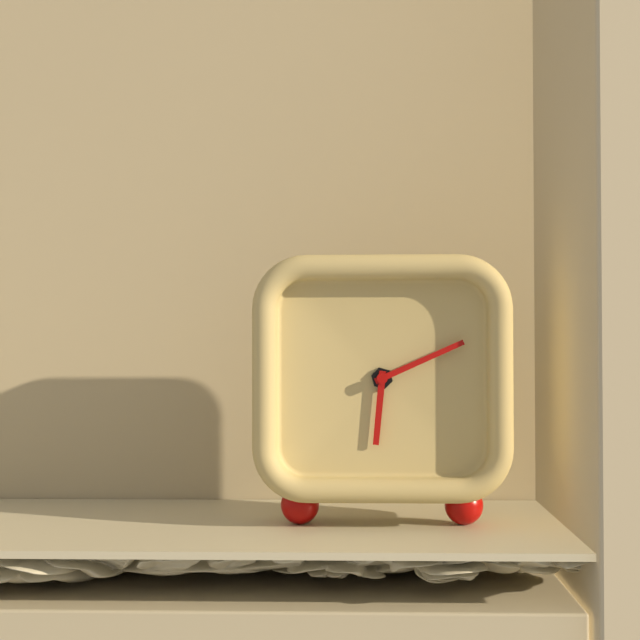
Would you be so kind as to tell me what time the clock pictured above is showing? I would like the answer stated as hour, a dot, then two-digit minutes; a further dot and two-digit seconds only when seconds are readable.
6.11
